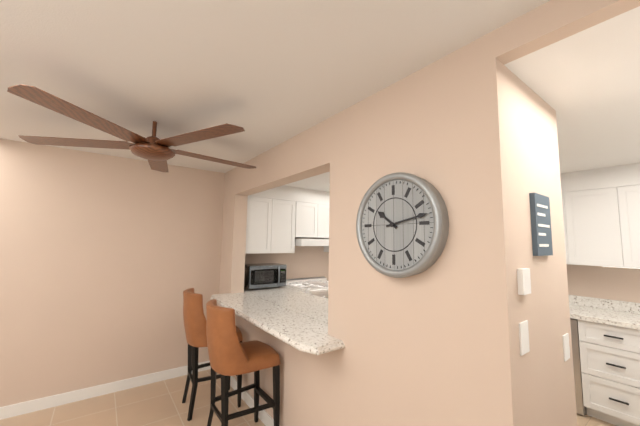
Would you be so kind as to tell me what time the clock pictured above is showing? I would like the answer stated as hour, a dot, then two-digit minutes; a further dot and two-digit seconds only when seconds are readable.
10.13
